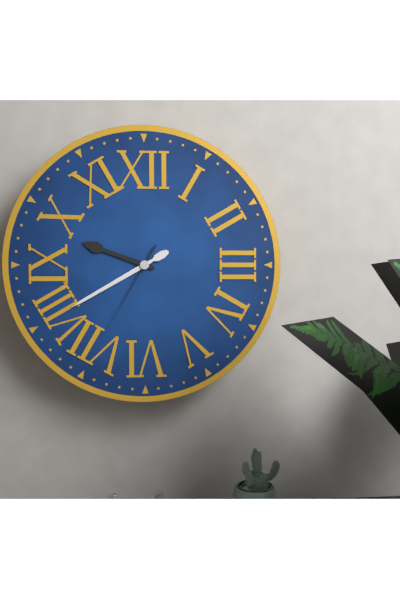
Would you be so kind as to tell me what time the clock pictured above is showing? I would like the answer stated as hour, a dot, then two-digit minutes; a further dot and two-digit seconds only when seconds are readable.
9.40.35
